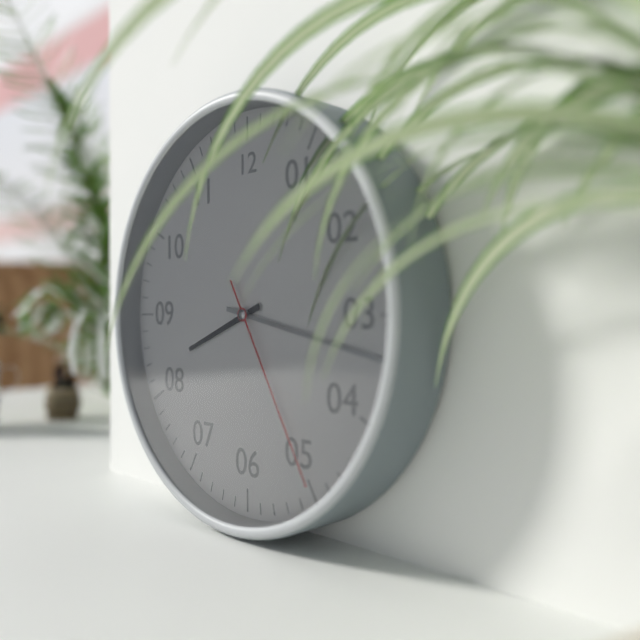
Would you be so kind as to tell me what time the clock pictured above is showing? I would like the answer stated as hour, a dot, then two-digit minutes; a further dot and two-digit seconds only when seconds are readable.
8.17.25
